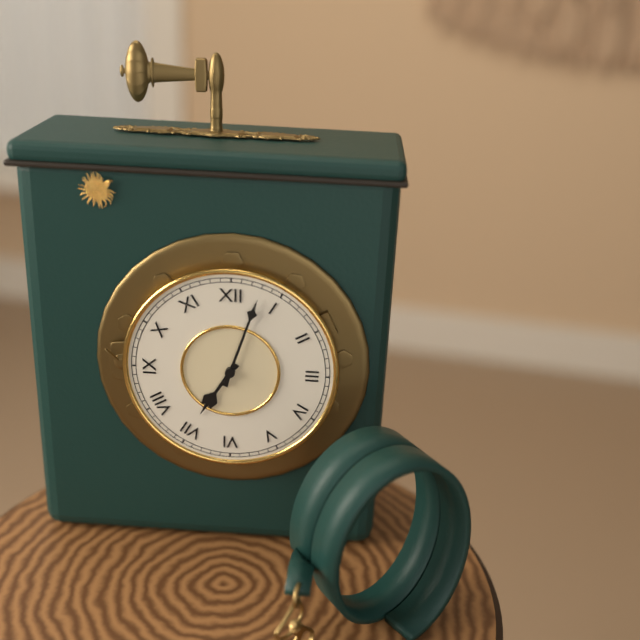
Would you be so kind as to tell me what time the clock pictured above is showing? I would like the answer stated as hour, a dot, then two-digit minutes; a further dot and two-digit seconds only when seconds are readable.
7.03
